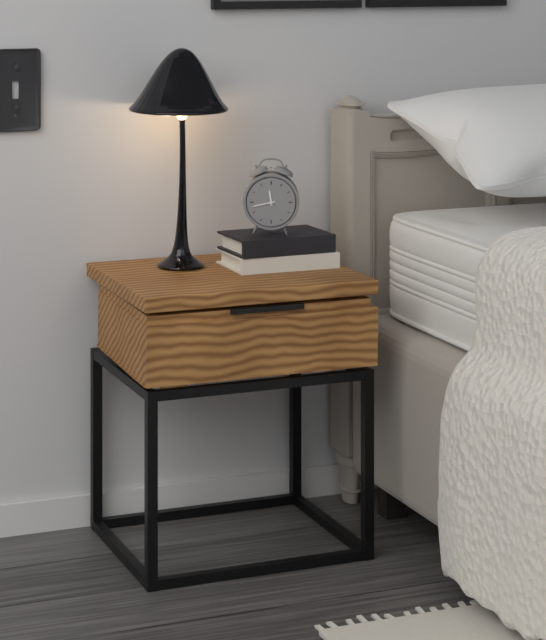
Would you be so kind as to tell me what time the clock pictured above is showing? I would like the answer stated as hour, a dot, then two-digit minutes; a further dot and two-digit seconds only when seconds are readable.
11.43
